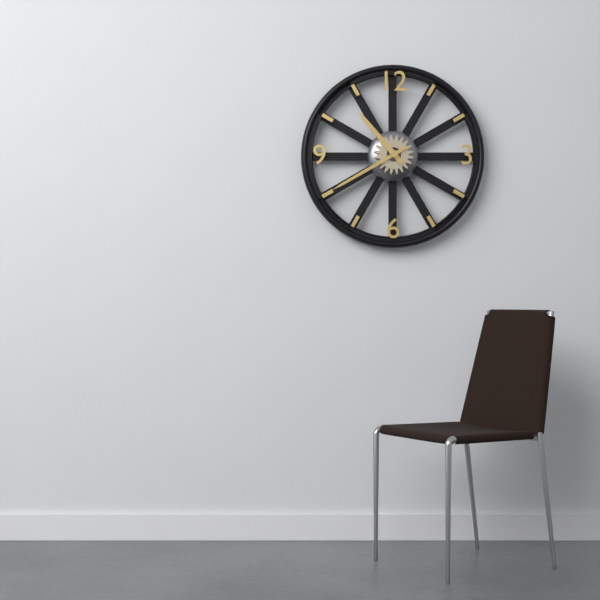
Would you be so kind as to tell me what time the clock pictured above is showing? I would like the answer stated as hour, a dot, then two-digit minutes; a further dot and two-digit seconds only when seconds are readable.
10.40
